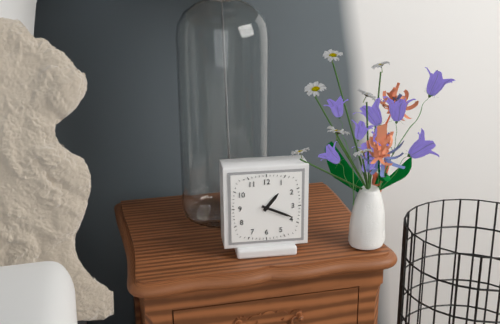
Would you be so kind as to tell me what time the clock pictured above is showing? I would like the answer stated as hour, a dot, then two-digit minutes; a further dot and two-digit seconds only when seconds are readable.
1.19
